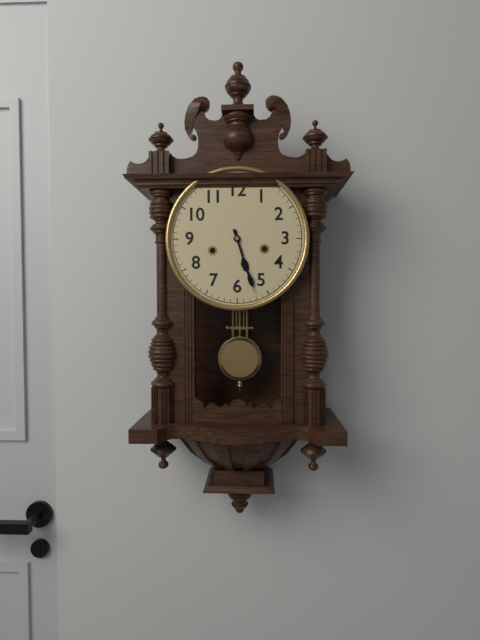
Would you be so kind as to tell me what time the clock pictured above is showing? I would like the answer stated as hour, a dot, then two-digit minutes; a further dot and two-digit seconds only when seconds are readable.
5.27
